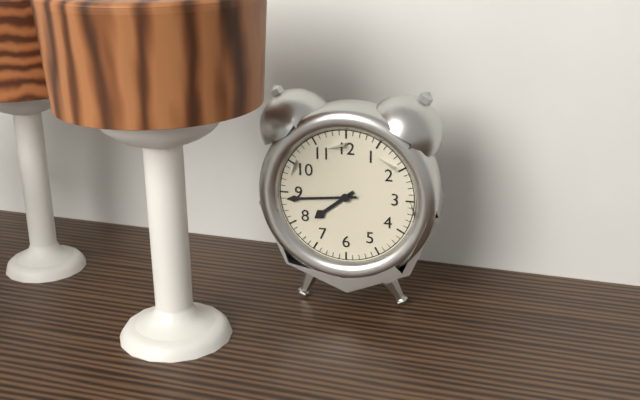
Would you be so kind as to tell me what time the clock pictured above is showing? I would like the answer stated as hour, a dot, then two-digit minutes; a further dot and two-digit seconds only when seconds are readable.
7.44
